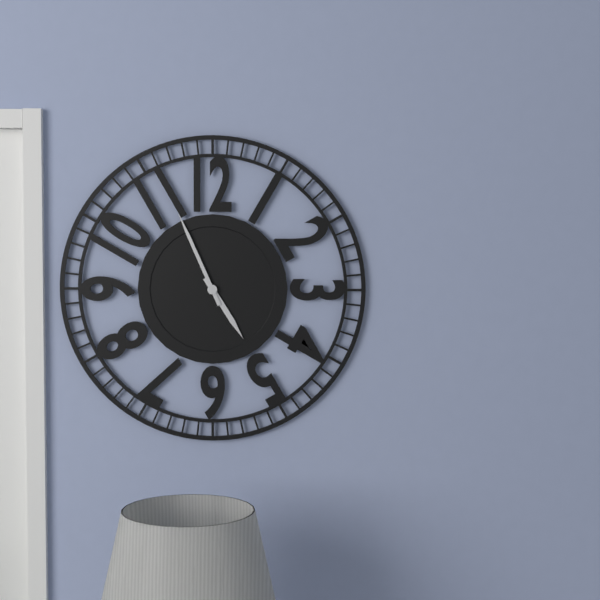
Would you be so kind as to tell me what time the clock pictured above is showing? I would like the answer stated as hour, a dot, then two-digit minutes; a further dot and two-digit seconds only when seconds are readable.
4.56
